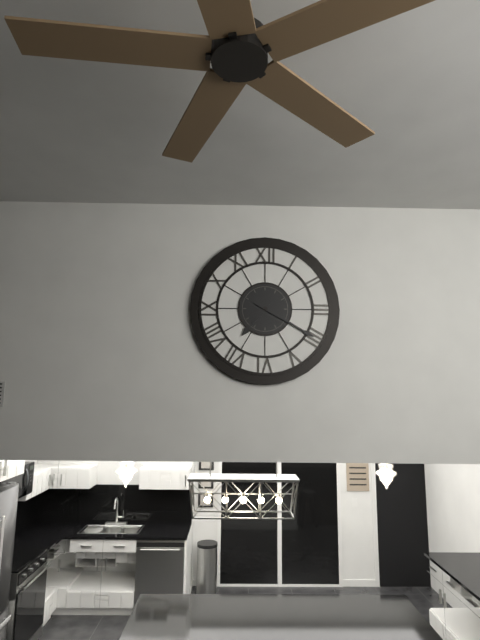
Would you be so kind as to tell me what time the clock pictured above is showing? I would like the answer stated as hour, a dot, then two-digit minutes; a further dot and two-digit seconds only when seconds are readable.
7.20
